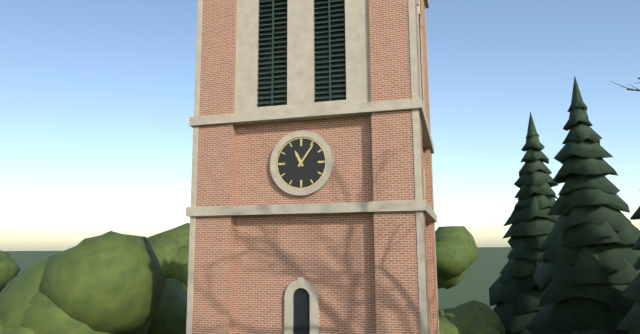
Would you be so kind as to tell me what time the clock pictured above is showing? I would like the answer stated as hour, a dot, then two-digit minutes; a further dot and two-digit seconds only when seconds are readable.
11.06
